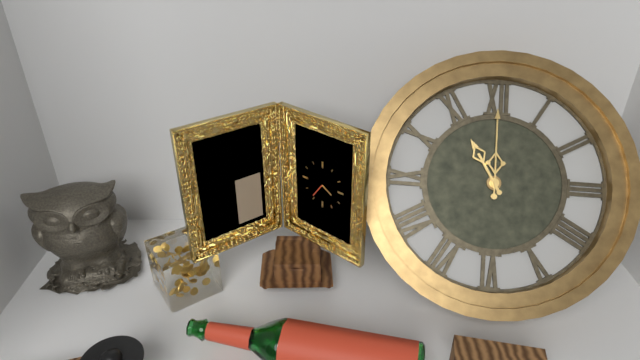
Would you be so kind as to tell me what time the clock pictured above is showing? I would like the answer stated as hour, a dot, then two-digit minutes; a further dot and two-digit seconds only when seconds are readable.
11.00
